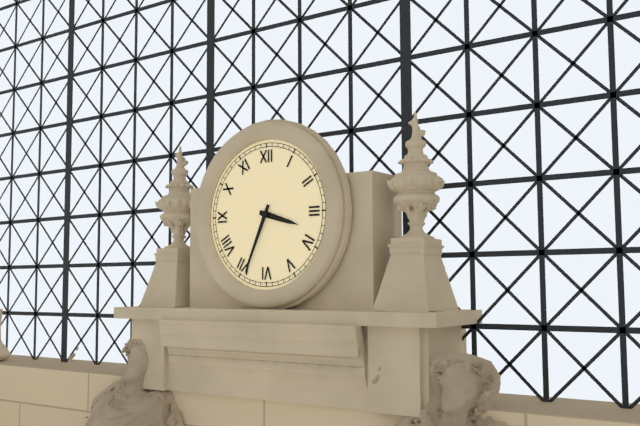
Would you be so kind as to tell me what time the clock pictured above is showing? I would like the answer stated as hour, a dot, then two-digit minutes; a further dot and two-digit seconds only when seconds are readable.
3.34
